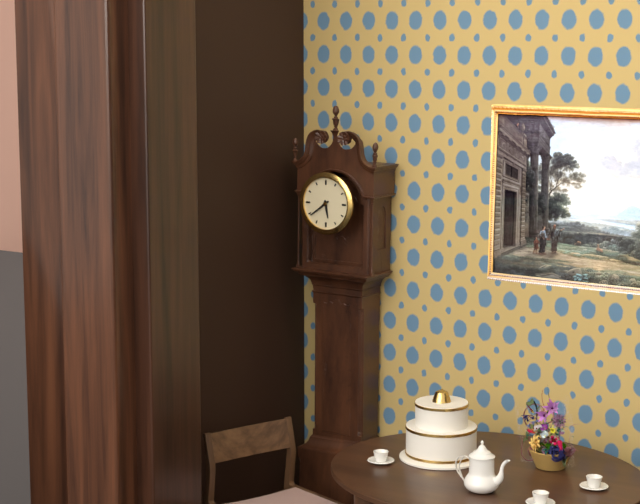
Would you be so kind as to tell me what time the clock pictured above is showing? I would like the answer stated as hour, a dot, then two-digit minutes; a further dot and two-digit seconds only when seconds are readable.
5.39
